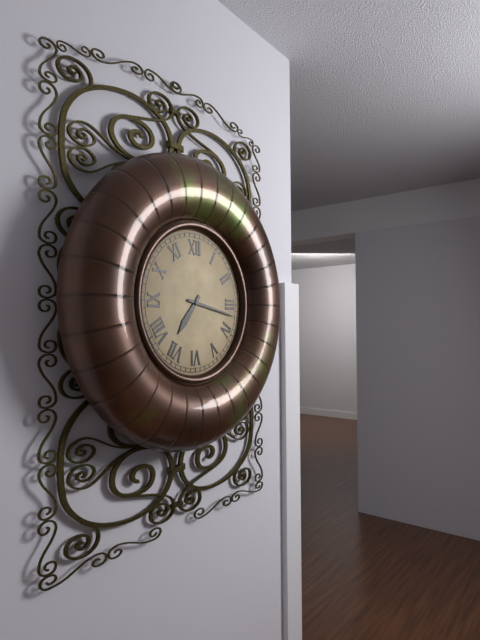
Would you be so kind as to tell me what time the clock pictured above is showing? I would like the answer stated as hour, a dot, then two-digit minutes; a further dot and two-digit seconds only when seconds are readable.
7.17
